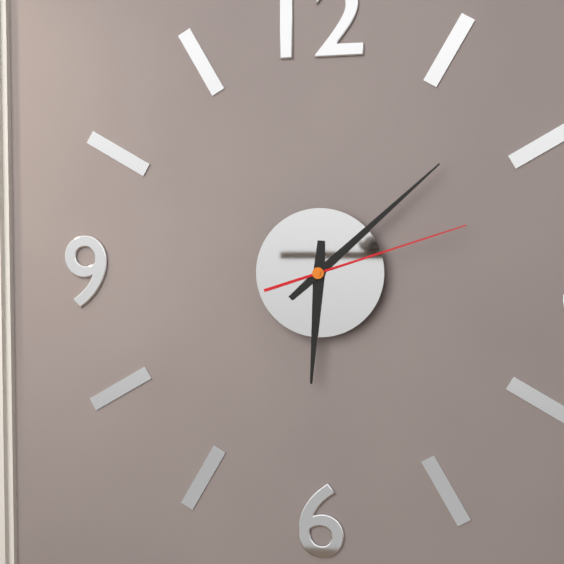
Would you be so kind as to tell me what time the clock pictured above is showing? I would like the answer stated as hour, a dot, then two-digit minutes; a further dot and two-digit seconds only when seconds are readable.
6.08.12
